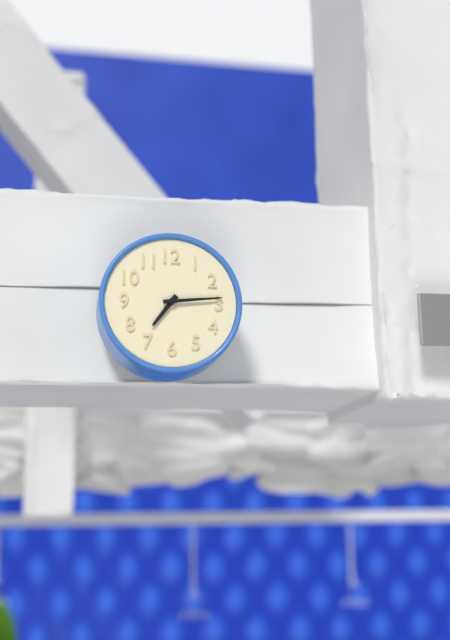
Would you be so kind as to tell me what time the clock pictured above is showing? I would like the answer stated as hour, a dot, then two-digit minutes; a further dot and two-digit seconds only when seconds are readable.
7.14
